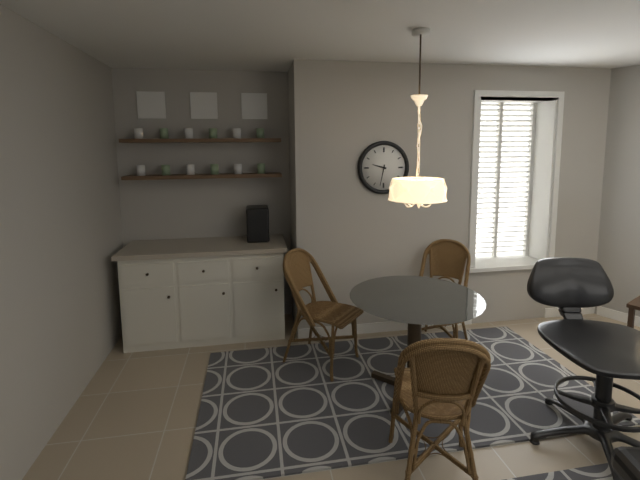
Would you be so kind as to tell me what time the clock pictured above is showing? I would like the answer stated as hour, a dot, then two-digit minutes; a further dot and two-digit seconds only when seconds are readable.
9.32
